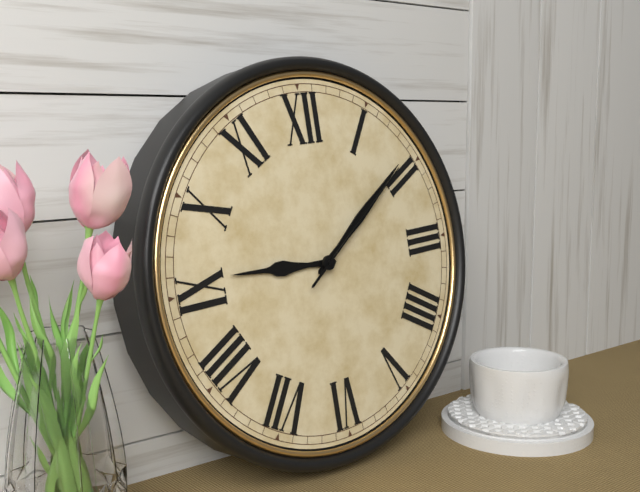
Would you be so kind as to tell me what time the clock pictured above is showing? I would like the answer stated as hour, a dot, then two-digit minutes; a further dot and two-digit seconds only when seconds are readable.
9.09.09
